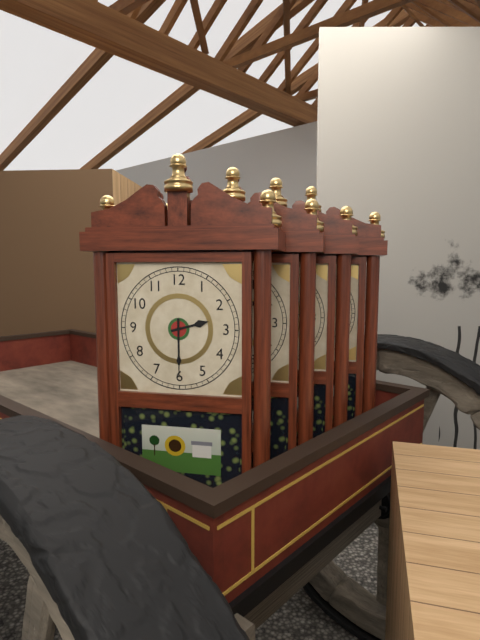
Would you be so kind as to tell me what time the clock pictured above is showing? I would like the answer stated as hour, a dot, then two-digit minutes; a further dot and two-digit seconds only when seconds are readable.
2.30
